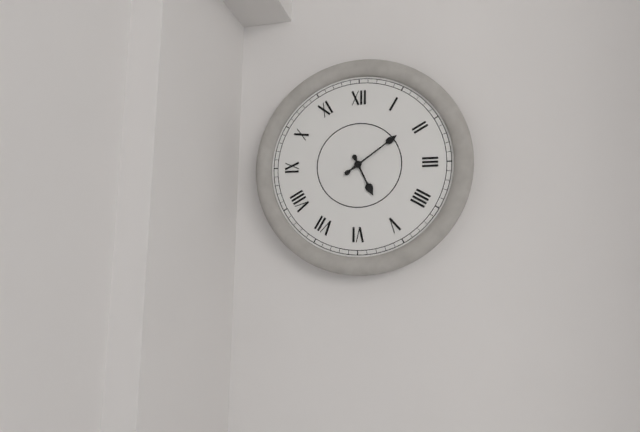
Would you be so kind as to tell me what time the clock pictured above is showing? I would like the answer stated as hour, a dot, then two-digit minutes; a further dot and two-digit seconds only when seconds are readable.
5.09
